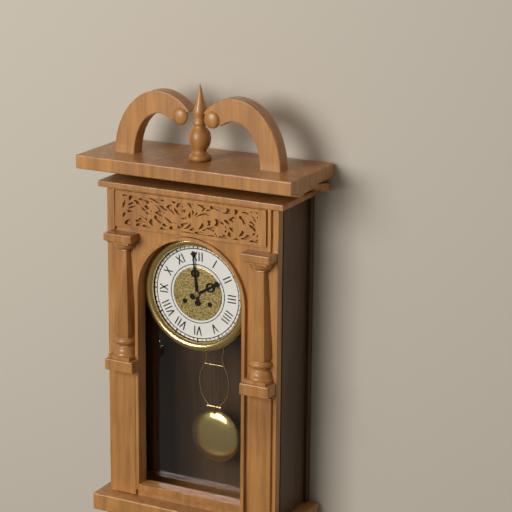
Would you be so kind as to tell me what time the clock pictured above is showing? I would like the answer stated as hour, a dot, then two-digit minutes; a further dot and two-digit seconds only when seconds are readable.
1.59
